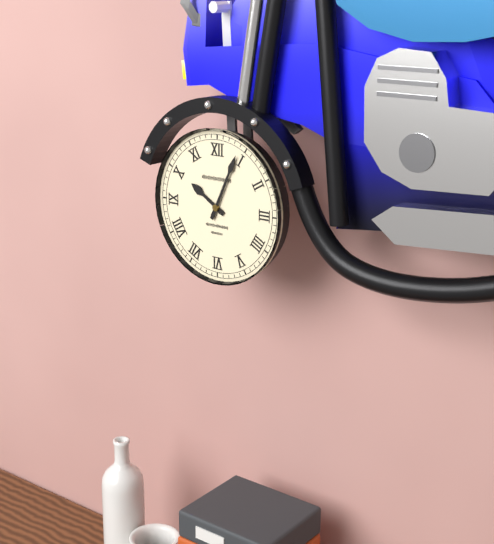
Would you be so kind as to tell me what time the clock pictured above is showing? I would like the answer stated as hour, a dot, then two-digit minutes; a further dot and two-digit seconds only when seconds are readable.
10.04
